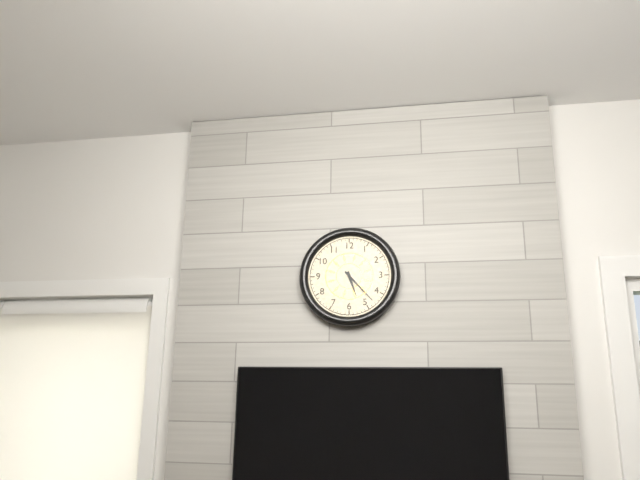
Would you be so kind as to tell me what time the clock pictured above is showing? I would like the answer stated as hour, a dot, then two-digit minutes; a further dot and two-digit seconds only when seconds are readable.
5.23
